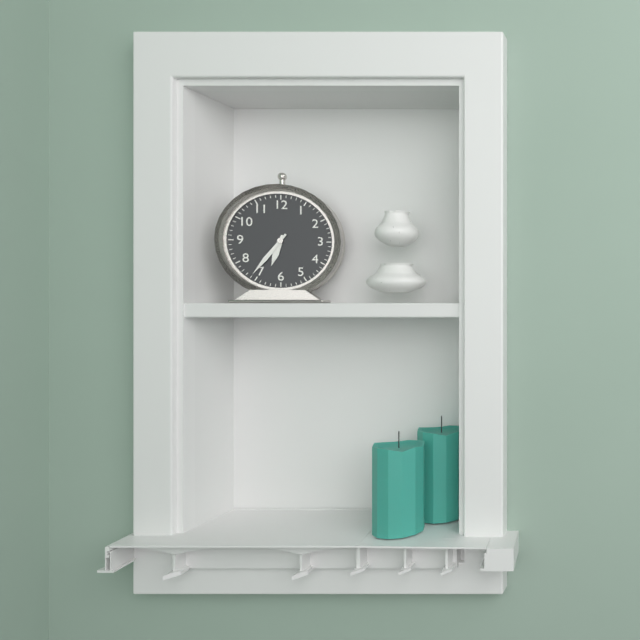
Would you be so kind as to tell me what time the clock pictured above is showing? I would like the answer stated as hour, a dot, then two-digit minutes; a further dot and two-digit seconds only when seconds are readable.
6.36
